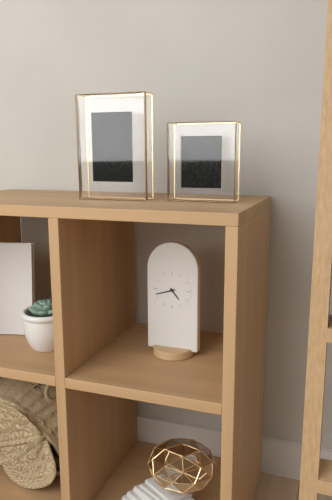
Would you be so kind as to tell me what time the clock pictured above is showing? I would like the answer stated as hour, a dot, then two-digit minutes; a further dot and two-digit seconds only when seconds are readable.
4.42
